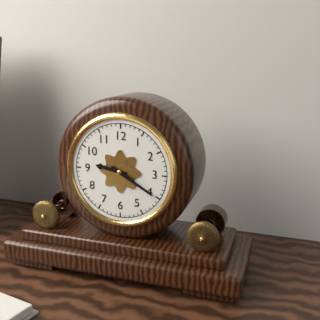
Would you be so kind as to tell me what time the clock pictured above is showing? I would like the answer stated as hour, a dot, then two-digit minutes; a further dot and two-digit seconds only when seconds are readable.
9.20
